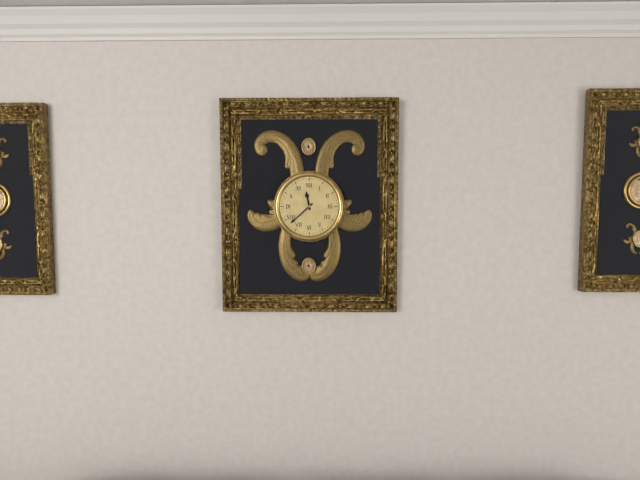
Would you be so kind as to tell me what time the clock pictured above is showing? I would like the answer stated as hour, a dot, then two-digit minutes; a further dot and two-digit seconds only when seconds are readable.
11.38
